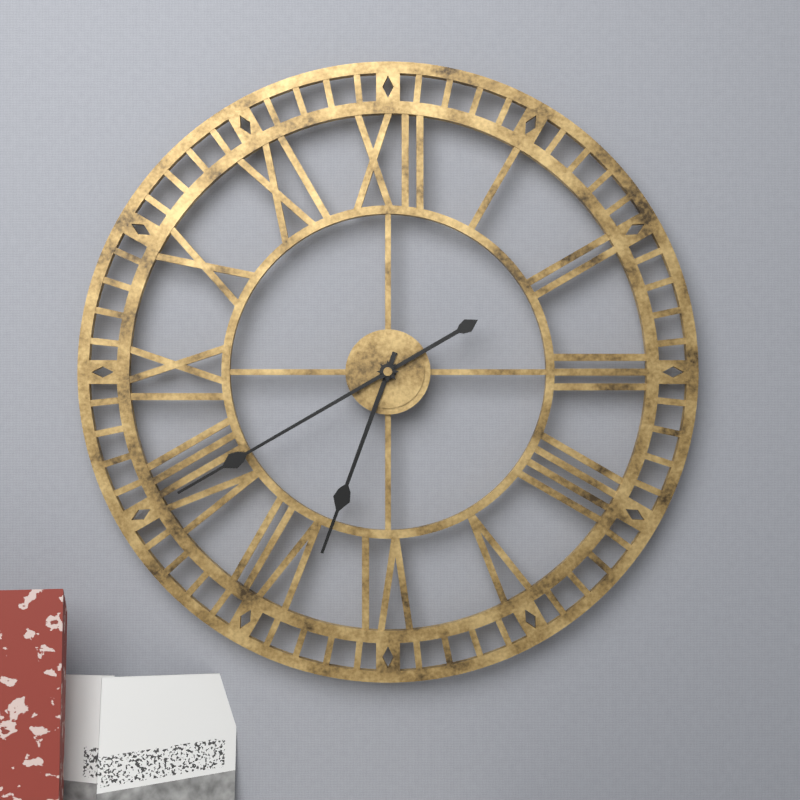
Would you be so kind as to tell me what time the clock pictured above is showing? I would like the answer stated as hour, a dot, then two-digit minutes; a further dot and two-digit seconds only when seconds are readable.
6.40
